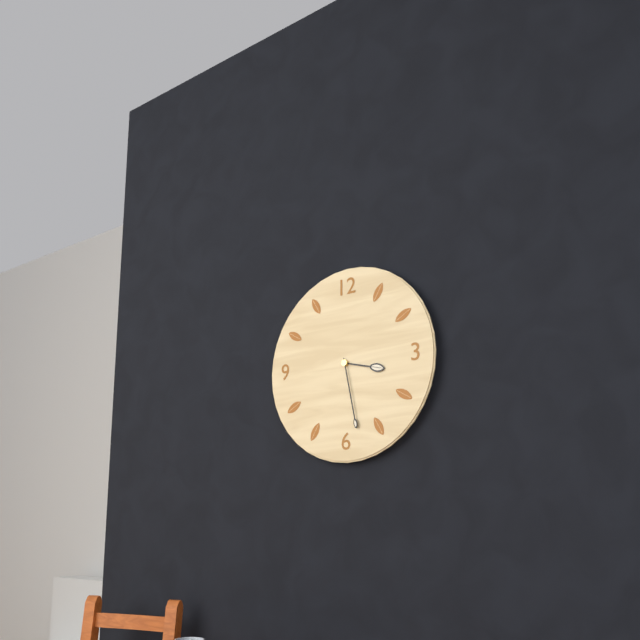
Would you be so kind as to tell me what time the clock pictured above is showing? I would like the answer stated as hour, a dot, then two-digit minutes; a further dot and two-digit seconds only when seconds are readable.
3.28
